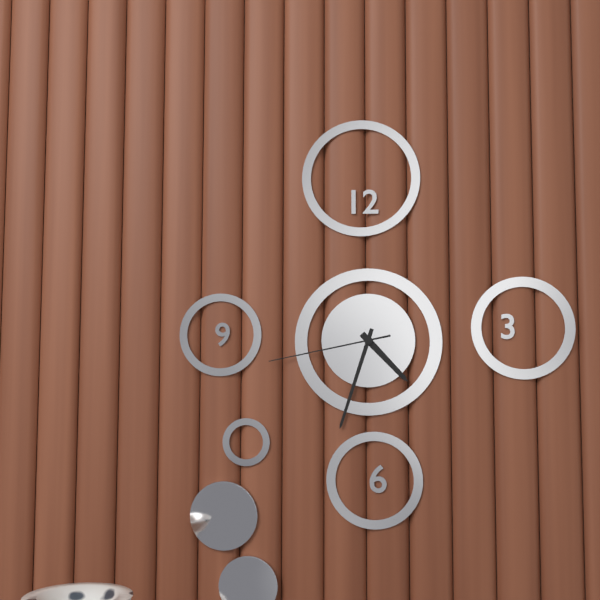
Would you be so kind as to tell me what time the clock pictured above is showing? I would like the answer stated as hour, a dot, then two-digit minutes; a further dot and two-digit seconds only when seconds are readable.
4.33.43
